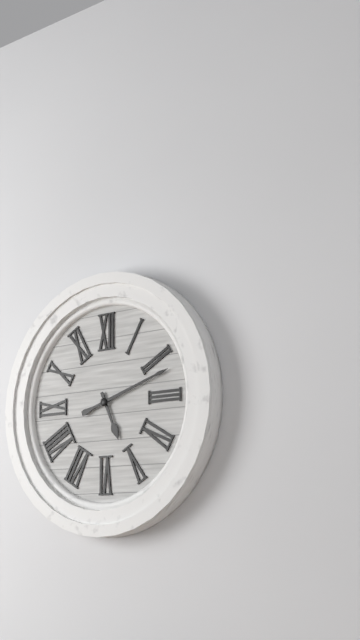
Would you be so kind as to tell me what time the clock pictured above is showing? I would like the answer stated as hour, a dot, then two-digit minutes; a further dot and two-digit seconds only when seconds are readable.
5.12
